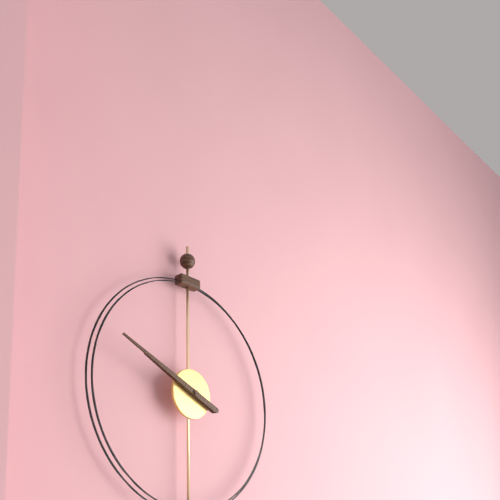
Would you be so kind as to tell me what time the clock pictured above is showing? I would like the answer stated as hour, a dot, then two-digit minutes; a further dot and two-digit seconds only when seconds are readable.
9.49
